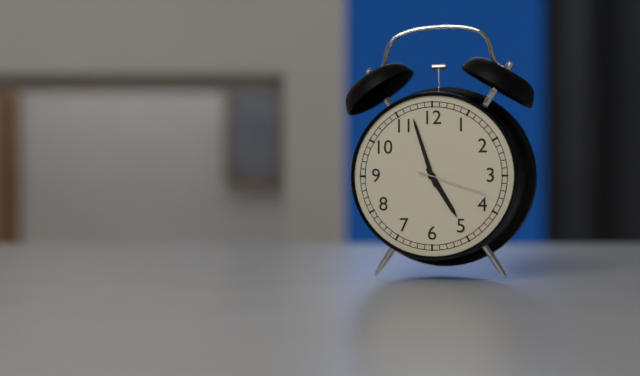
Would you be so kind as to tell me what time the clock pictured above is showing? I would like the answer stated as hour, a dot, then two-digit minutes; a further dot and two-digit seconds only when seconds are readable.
4.57.18
